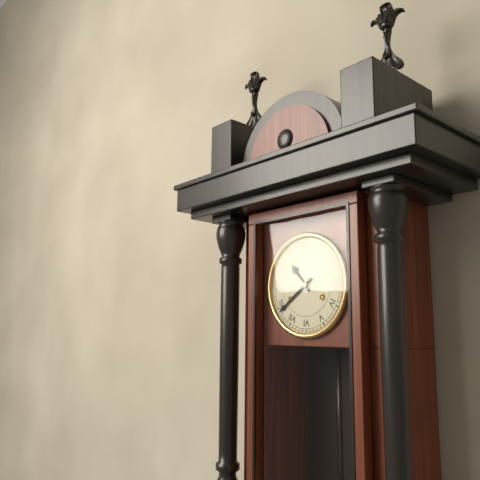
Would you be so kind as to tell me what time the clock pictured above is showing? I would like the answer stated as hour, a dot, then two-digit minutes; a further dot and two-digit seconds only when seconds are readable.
10.39
